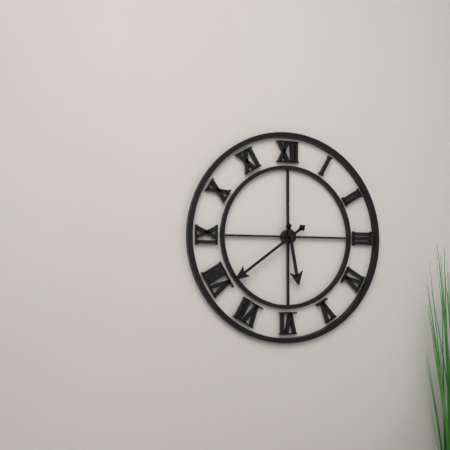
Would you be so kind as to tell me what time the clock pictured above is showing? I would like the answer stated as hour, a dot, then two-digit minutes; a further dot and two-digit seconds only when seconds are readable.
5.39
